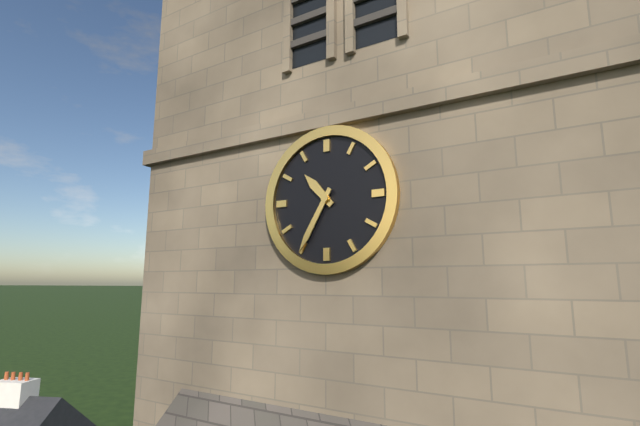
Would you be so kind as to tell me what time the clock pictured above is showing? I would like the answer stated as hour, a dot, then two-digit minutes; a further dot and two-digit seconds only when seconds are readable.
10.35
